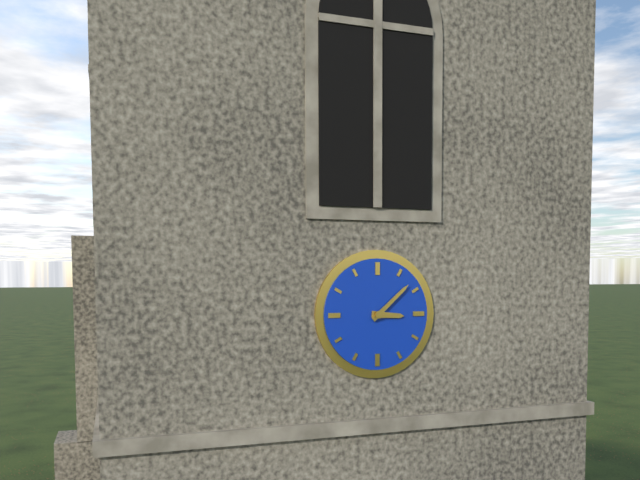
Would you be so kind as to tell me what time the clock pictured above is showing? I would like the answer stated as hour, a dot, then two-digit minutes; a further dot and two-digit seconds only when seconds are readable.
3.08
